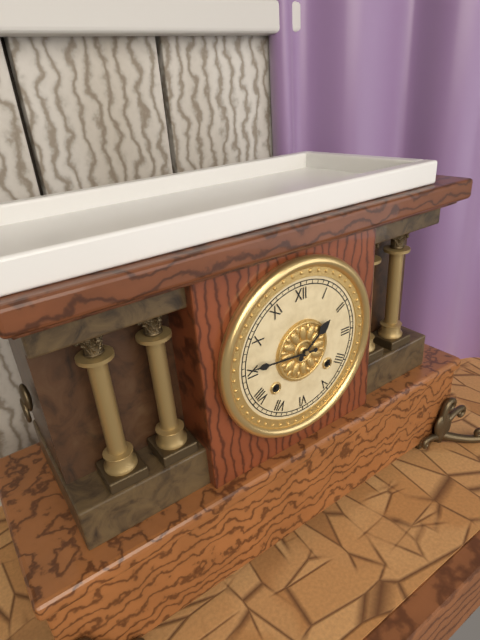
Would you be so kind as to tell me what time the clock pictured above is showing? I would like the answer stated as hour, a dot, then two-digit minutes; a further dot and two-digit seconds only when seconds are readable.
1.46
